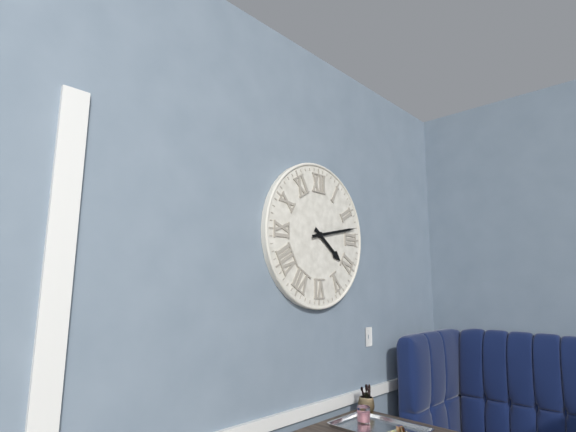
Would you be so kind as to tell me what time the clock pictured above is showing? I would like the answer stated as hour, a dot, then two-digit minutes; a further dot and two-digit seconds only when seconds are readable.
4.13
